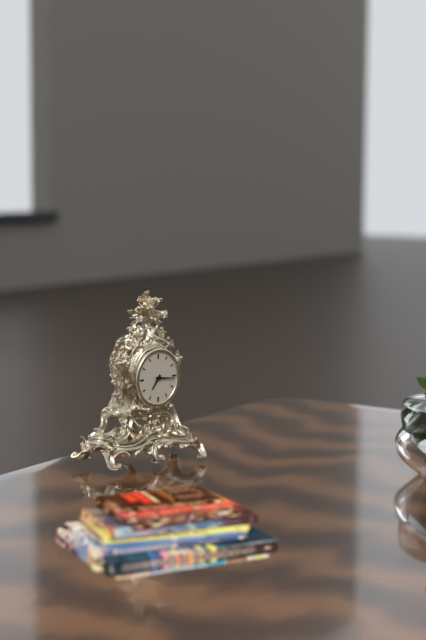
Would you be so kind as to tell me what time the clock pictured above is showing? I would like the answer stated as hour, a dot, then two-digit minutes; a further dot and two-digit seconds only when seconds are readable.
7.16
